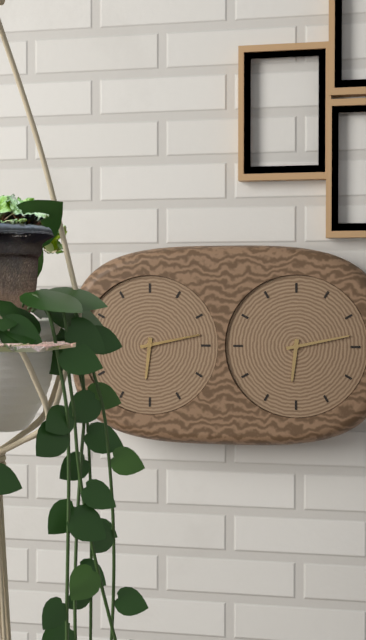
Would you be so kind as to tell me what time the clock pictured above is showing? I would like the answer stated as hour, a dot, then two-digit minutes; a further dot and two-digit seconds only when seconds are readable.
6.13
